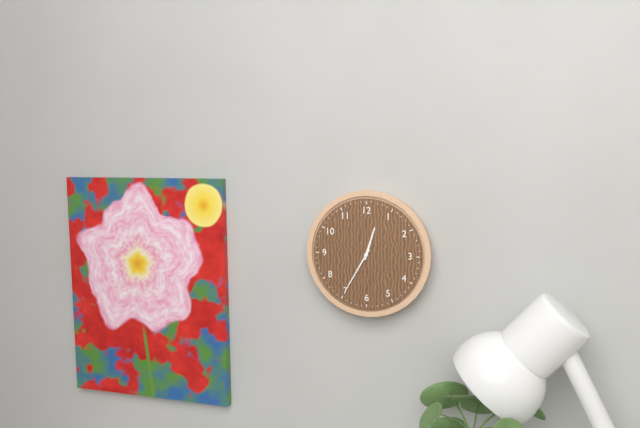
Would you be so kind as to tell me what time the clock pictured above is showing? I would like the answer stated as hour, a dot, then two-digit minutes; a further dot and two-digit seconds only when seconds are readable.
12.35
